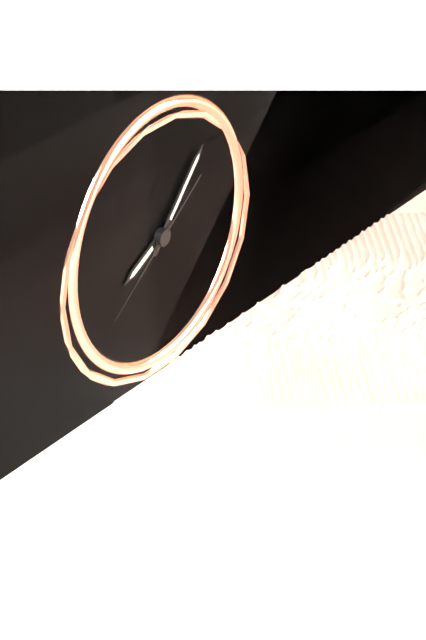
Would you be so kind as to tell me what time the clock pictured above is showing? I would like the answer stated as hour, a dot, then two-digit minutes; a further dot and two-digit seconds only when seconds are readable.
8.07.39
